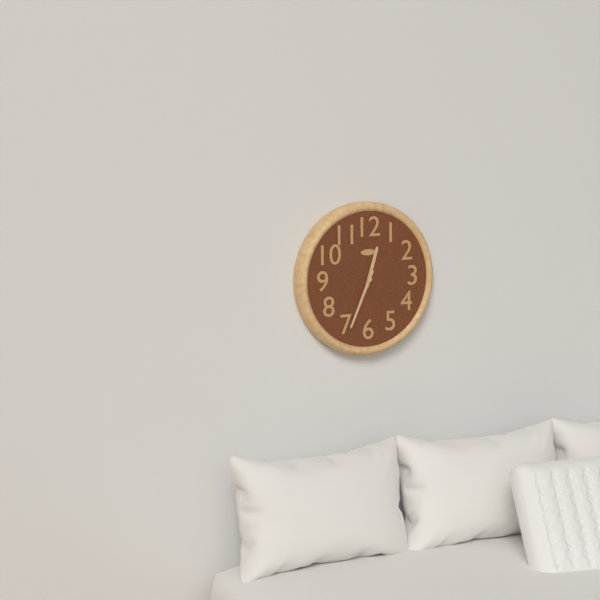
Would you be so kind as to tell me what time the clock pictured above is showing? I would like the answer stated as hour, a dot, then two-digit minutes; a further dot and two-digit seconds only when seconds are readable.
12.34
